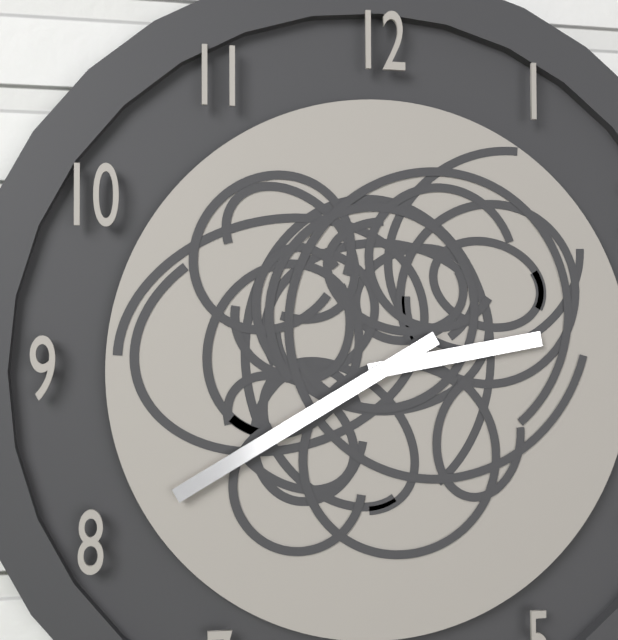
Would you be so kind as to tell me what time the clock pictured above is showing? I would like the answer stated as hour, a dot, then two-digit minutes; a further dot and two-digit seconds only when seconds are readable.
2.40
